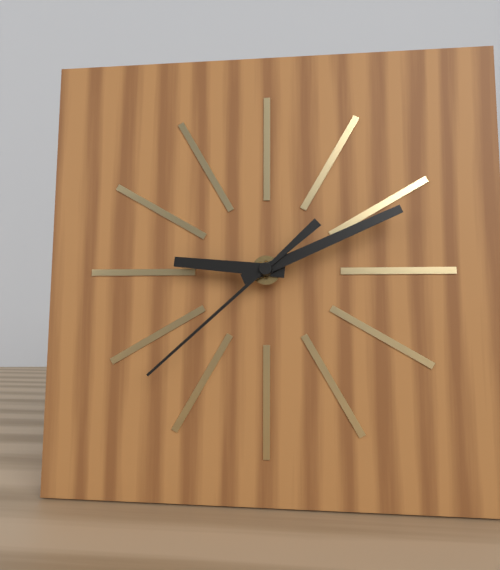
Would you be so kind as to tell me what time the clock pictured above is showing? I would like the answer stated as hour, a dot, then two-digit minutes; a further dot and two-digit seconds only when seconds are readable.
9.11.38
